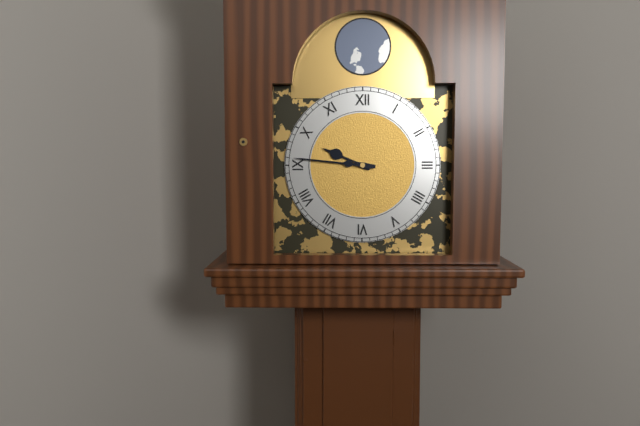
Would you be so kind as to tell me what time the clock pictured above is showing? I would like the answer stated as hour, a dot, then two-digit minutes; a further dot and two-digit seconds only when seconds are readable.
9.46
